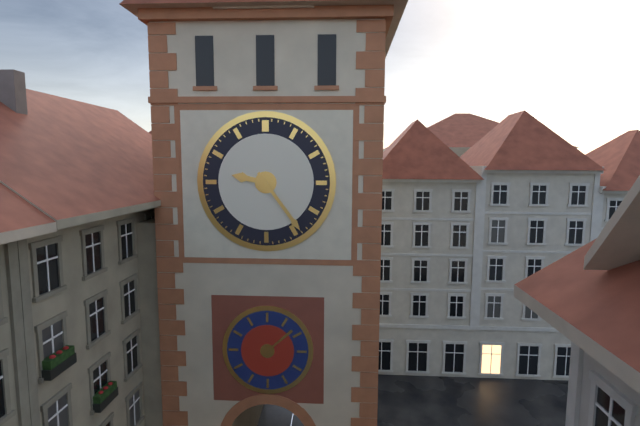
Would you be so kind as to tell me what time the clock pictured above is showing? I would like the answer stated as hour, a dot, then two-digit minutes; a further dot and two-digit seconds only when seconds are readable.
9.24
